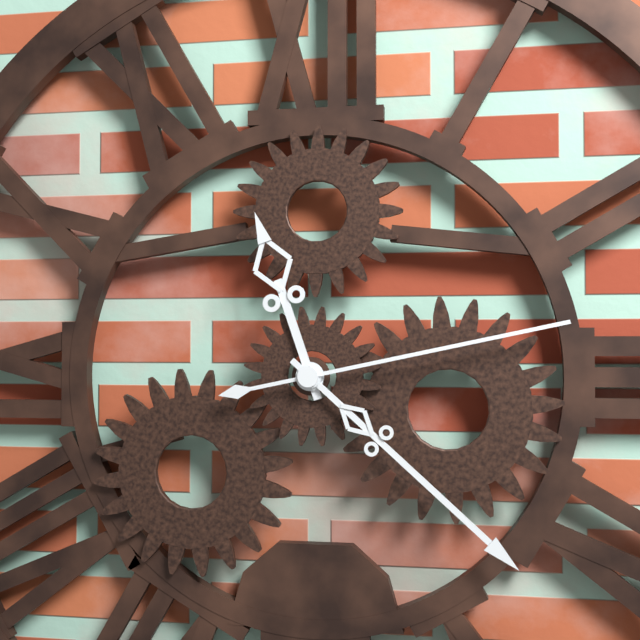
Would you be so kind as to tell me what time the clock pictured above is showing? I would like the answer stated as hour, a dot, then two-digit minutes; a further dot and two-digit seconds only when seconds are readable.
11.22.13
